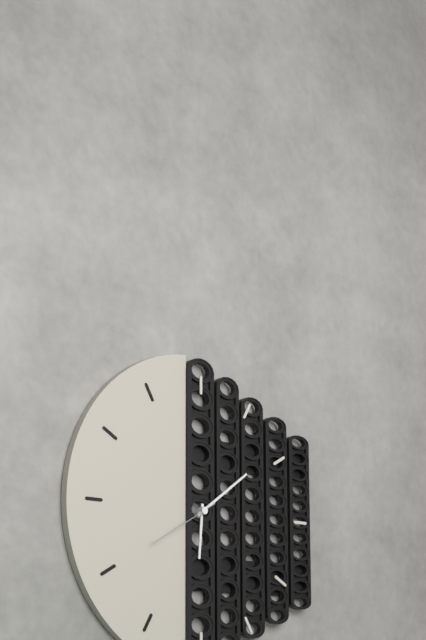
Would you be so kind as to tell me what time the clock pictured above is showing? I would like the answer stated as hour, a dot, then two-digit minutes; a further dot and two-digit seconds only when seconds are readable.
6.09.40
